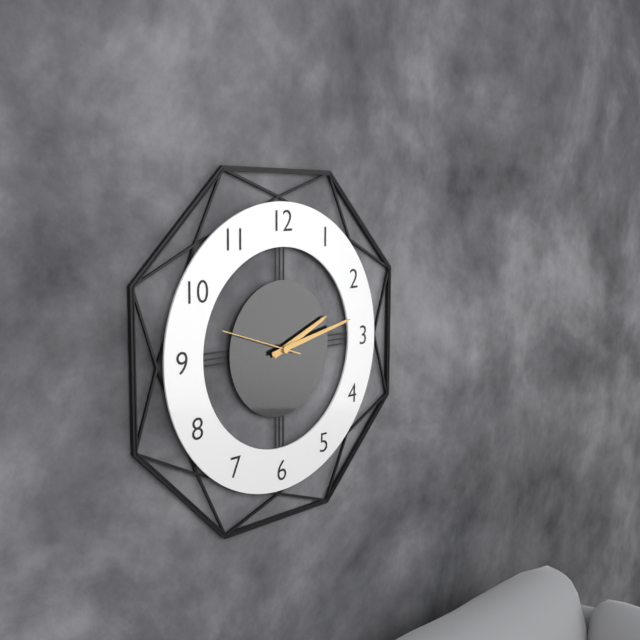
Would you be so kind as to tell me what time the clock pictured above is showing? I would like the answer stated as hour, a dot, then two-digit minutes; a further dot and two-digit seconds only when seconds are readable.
2.13.48
